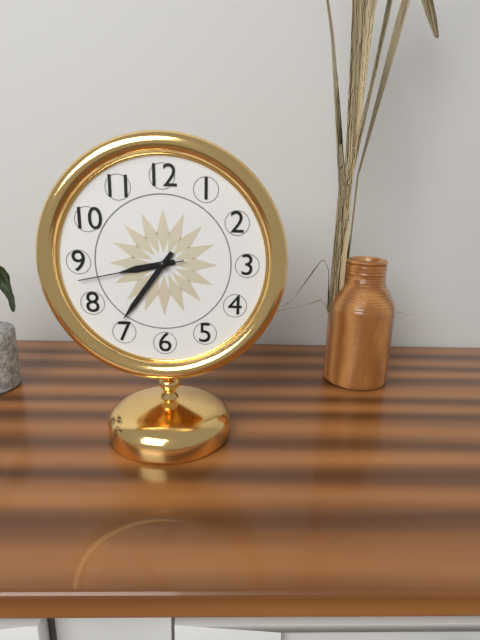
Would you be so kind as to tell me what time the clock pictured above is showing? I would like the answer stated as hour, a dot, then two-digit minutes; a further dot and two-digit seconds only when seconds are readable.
8.36.43
